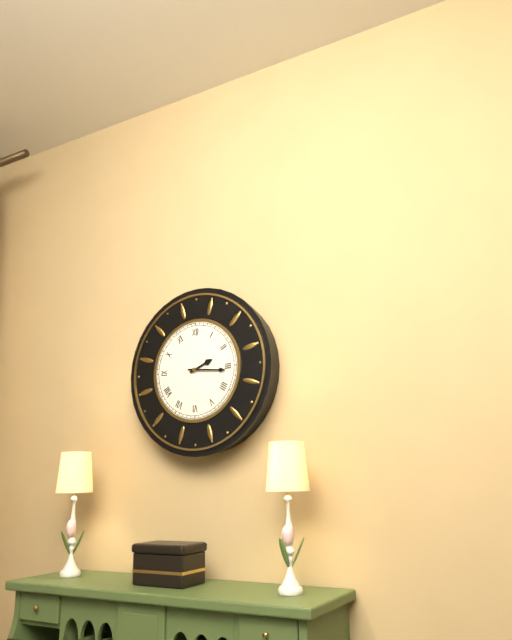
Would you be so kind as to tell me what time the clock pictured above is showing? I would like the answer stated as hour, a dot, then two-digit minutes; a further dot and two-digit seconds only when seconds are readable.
2.16
